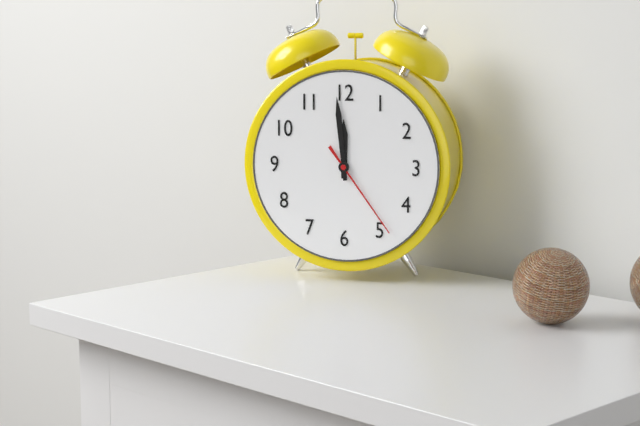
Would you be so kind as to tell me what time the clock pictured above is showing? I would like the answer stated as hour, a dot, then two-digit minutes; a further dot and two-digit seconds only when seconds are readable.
11.59.24
